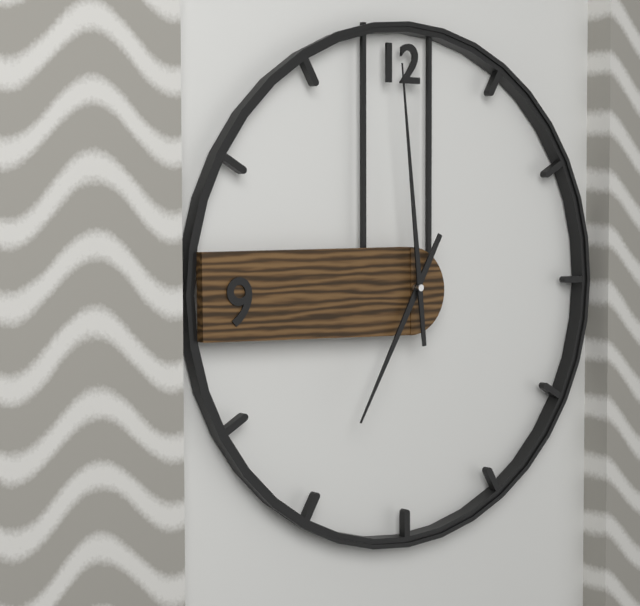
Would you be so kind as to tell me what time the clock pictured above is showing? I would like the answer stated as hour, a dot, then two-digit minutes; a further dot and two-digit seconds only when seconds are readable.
6.59
